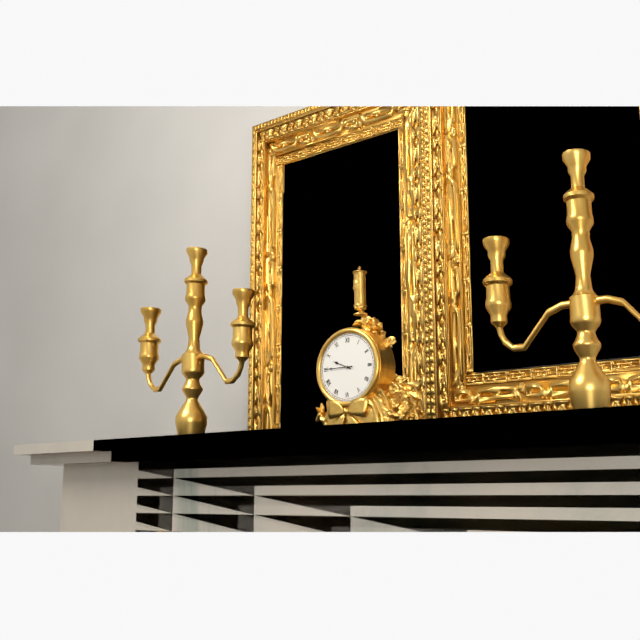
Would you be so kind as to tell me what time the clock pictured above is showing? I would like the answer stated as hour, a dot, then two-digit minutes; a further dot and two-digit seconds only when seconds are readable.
9.45
